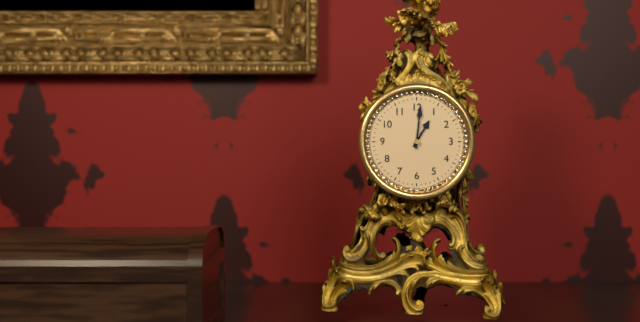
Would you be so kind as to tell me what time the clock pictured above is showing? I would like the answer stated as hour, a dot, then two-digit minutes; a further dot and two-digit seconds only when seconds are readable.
1.01
